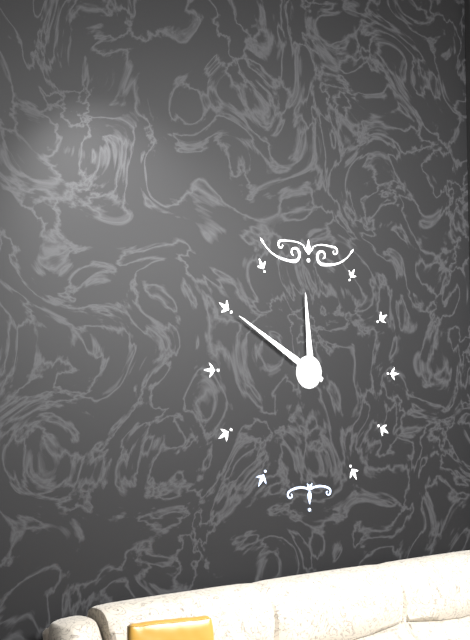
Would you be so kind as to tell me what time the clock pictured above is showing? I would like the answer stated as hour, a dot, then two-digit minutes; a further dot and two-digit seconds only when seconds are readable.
11.50
